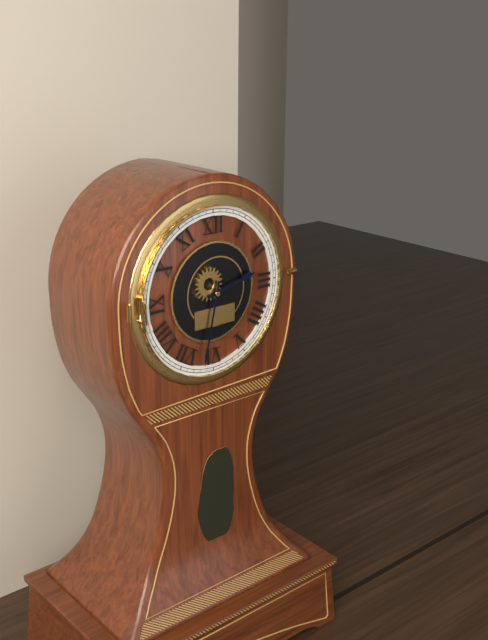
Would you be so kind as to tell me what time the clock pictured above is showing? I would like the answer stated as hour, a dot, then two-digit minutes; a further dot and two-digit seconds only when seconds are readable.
2.32
